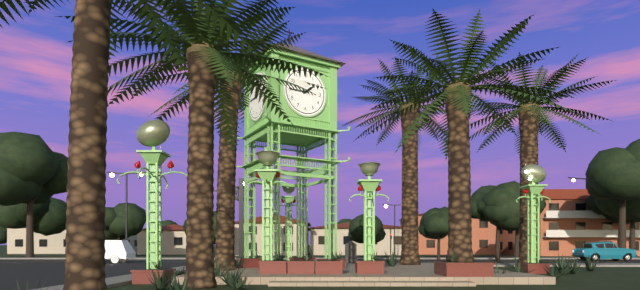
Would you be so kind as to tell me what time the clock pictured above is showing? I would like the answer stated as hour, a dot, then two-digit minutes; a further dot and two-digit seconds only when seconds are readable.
1.45
